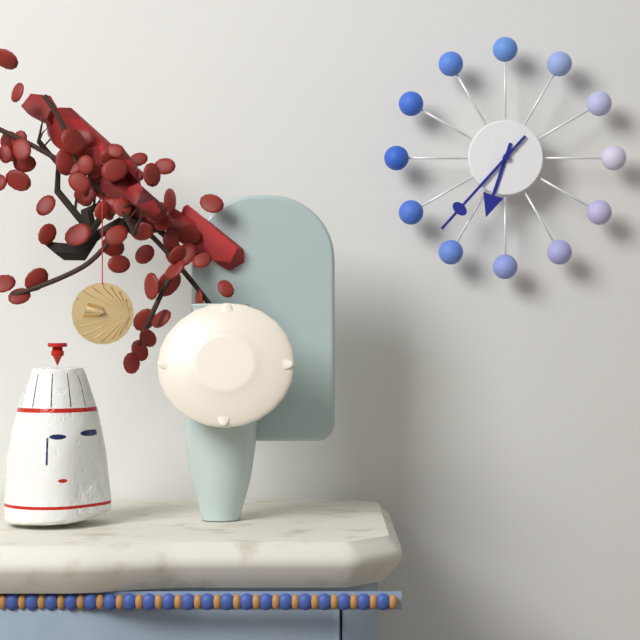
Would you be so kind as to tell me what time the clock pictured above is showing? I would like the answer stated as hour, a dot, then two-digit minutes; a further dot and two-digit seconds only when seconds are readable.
6.37
